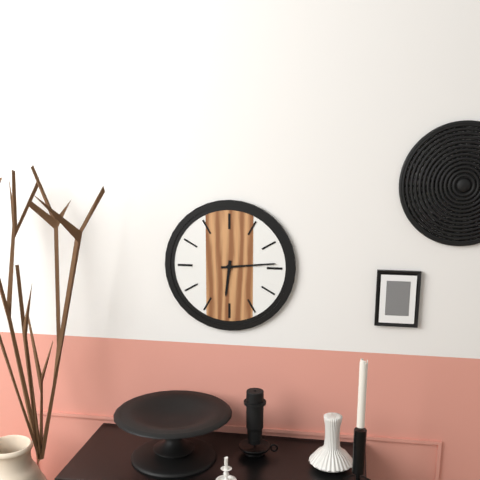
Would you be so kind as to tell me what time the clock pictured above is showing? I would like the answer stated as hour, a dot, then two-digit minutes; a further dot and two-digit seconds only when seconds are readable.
6.14
